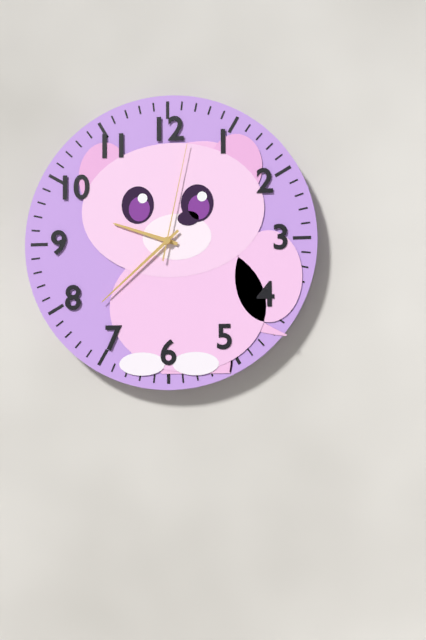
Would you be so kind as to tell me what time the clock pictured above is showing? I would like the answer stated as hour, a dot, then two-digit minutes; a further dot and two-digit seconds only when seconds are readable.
9.38.02
